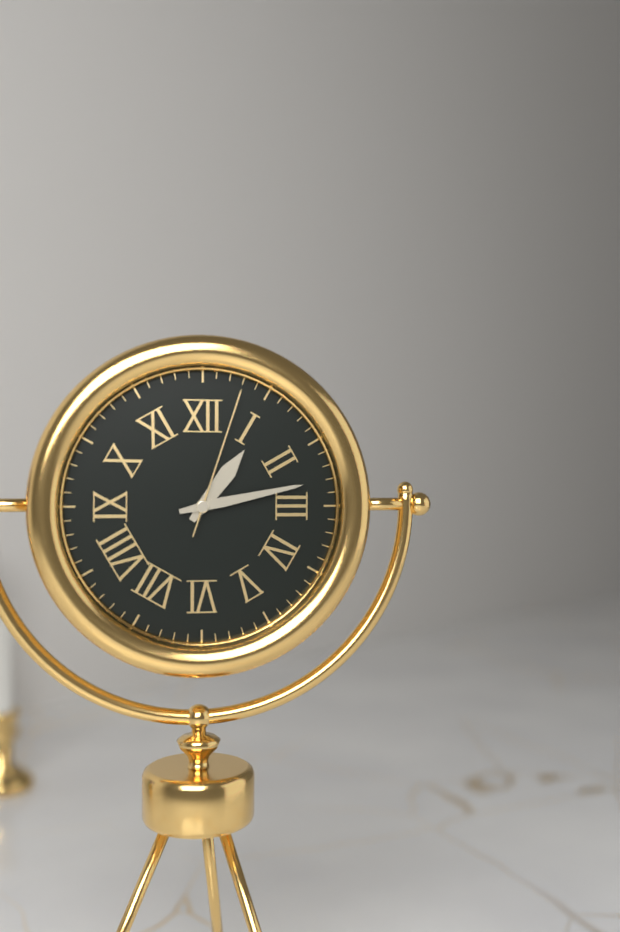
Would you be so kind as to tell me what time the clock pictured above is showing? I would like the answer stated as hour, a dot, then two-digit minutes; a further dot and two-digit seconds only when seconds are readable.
1.13.03
